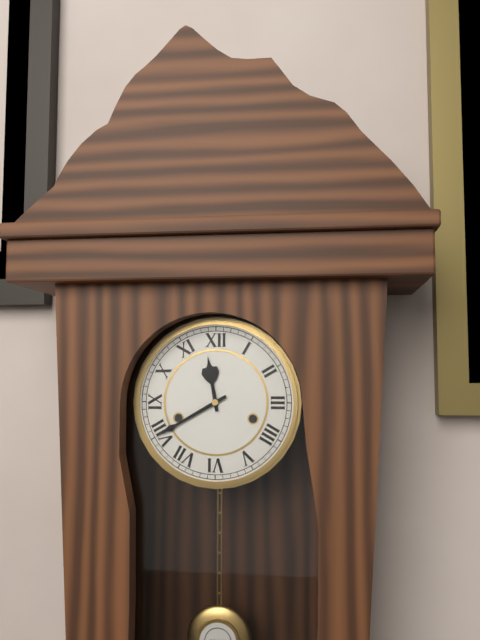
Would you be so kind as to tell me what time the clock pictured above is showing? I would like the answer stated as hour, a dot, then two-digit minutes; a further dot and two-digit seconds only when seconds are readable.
11.40
